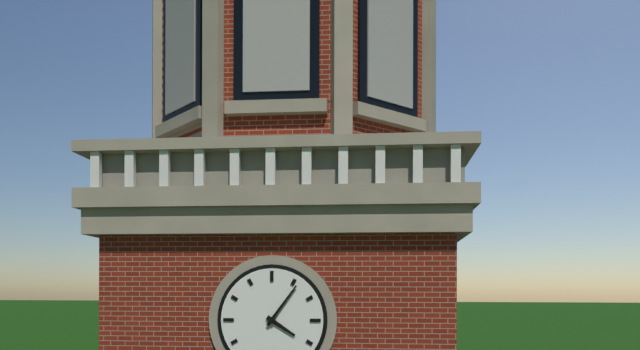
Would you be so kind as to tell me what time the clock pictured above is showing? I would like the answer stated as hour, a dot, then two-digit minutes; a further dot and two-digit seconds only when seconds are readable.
4.06
